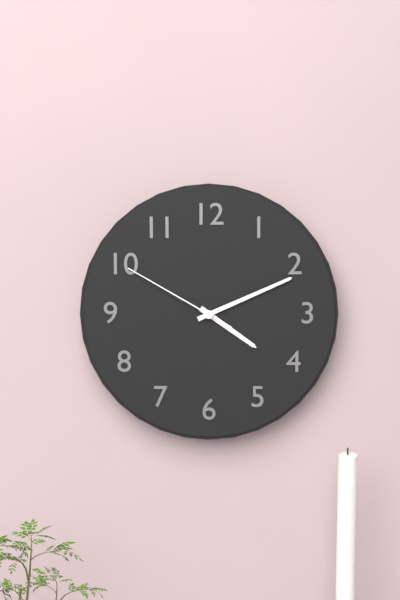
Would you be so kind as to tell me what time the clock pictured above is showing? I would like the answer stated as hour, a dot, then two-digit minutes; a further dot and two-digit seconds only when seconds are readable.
4.11.50
